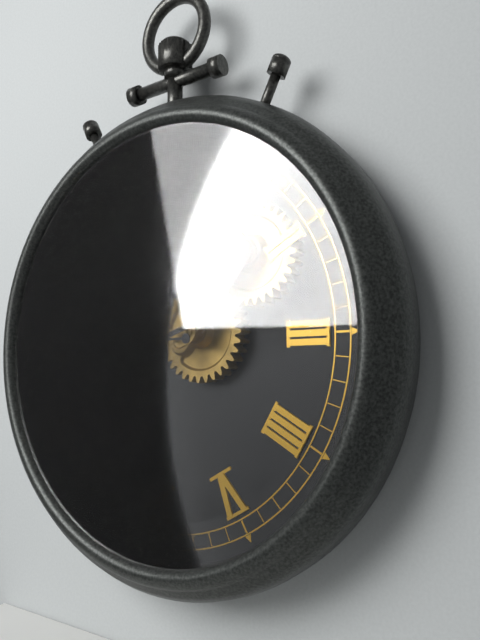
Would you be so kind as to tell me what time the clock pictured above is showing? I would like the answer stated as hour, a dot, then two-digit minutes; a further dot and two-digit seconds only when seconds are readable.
11.12.45
